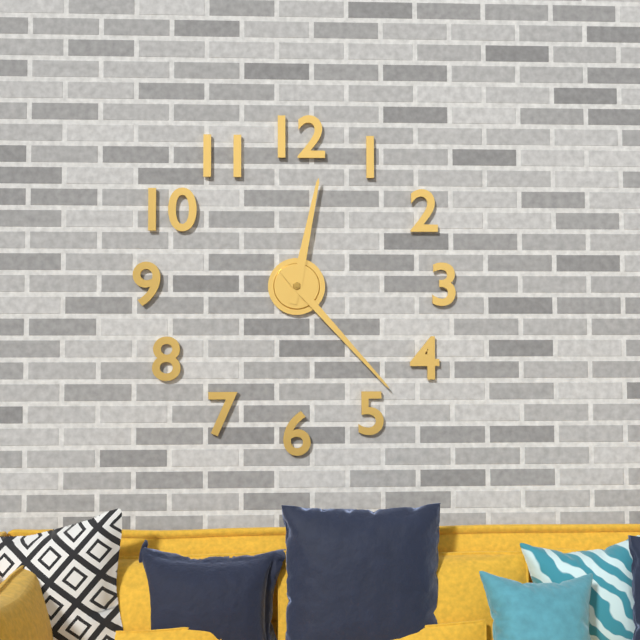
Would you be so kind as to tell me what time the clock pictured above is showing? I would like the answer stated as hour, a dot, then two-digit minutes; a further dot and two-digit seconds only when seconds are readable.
12.23
